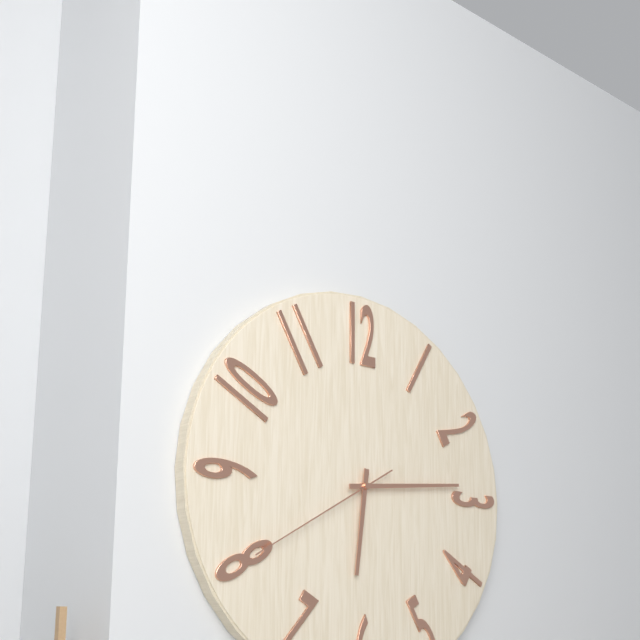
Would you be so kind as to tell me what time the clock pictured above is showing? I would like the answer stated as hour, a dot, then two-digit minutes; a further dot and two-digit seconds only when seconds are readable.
6.14.40
